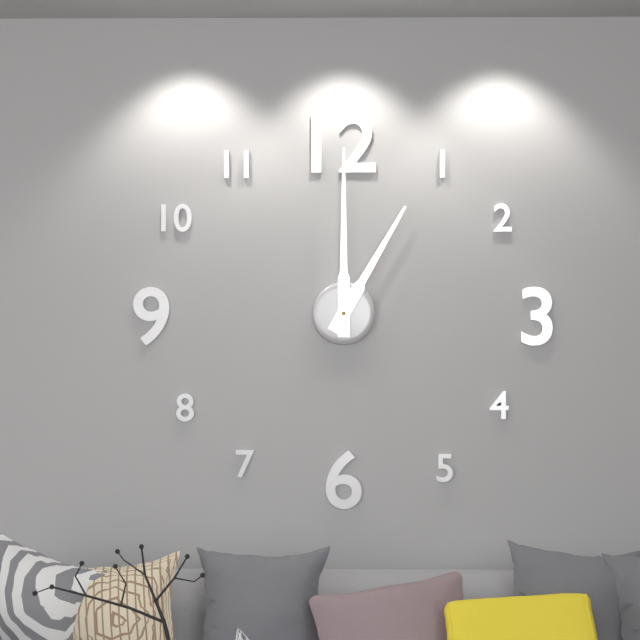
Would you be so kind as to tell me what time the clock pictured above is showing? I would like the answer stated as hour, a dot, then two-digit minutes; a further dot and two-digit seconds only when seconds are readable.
1.00
